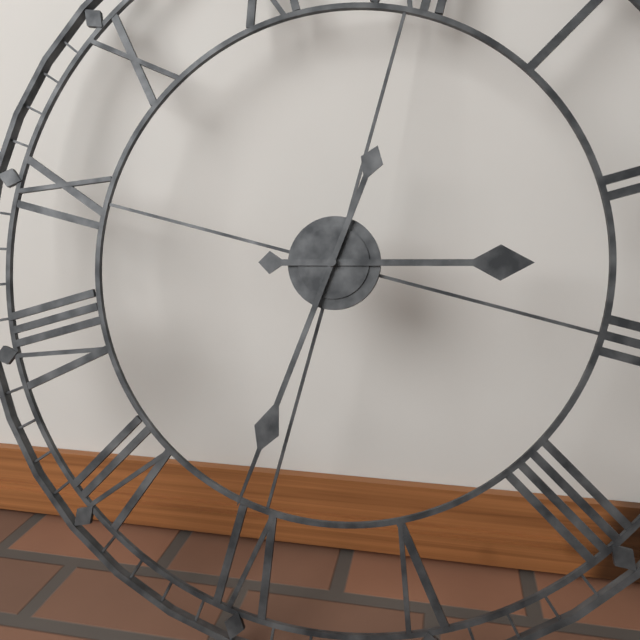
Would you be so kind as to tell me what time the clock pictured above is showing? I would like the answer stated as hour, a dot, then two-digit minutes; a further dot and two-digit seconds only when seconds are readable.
2.31
